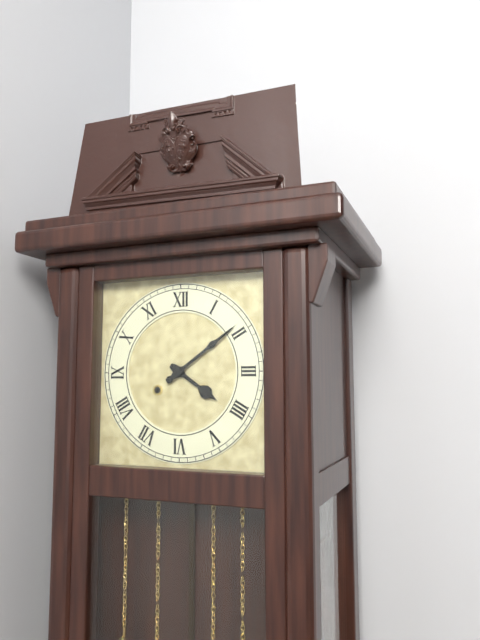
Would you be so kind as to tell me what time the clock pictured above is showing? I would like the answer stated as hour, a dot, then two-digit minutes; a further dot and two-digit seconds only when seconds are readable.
4.09
